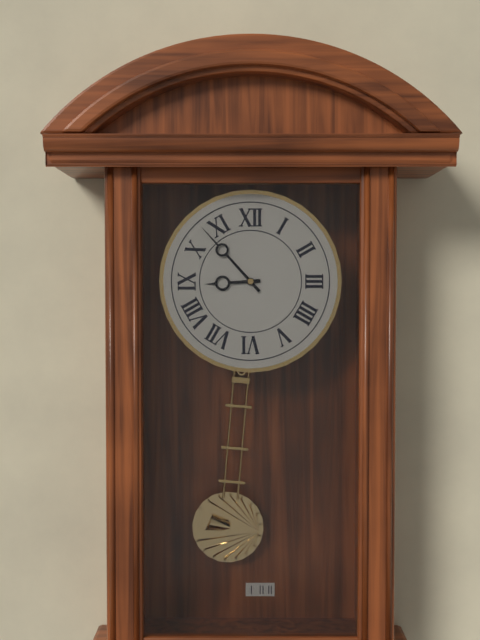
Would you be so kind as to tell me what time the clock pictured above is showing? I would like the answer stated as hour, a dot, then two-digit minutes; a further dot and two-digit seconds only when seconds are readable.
8.53
